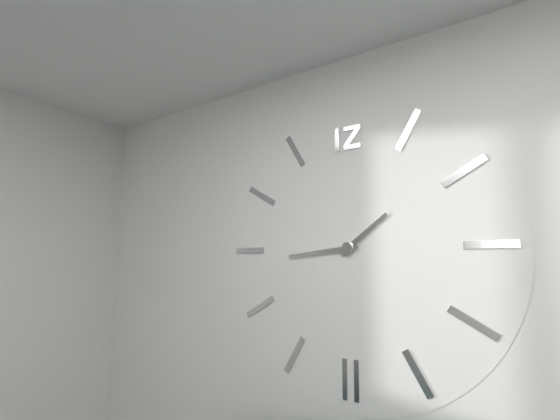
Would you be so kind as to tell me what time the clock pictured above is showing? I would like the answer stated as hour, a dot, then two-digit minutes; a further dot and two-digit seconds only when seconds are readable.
1.44
